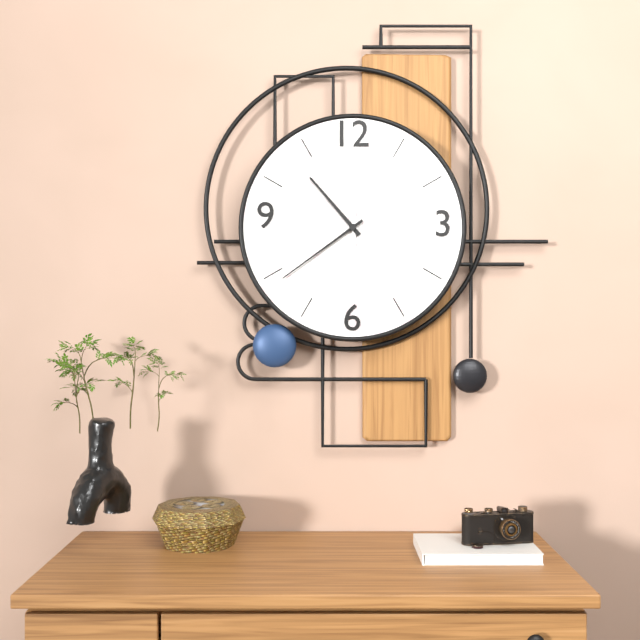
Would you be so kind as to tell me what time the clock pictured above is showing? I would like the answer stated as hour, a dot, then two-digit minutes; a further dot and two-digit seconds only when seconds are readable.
10.39.00
